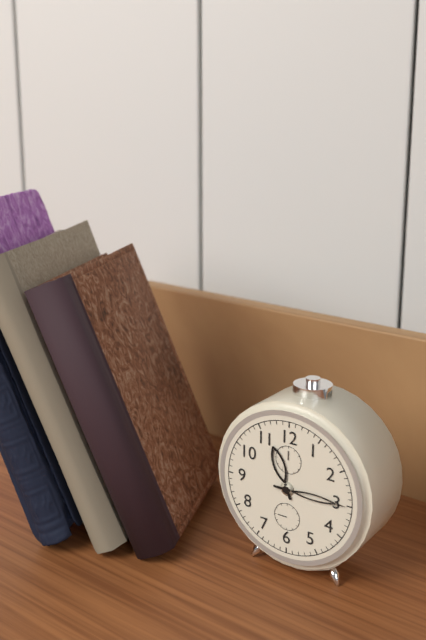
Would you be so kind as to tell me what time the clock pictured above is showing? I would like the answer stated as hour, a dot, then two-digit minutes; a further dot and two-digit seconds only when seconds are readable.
11.15
